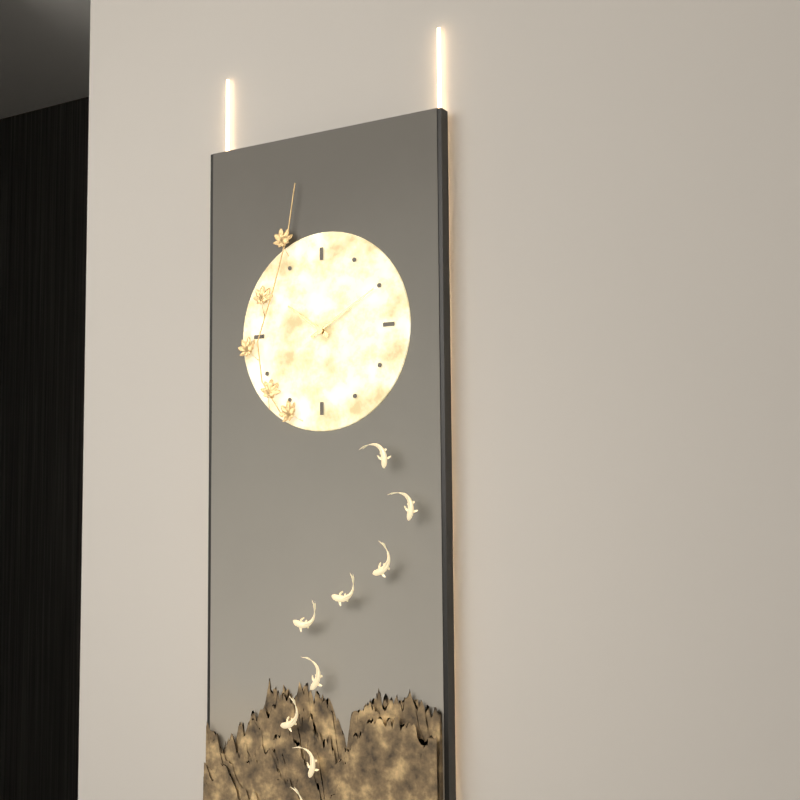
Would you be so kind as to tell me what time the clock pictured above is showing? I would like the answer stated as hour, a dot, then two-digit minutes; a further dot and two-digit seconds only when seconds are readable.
10.10
